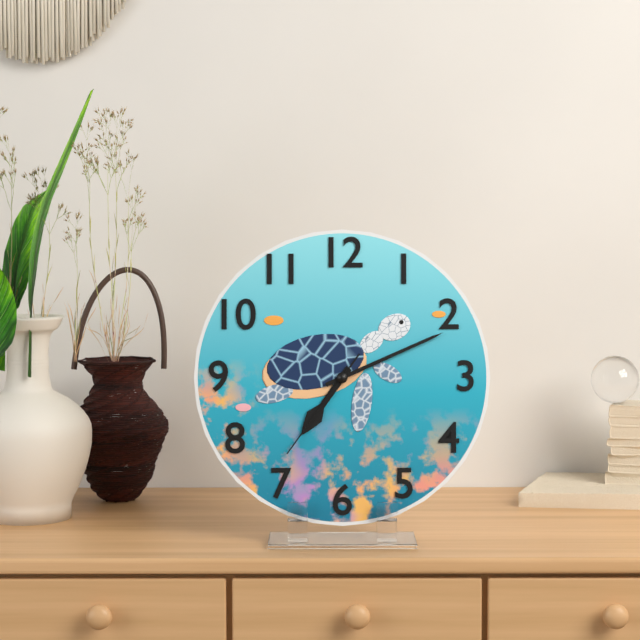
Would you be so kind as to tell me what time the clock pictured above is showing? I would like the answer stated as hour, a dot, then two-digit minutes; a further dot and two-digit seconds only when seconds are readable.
7.11.36
